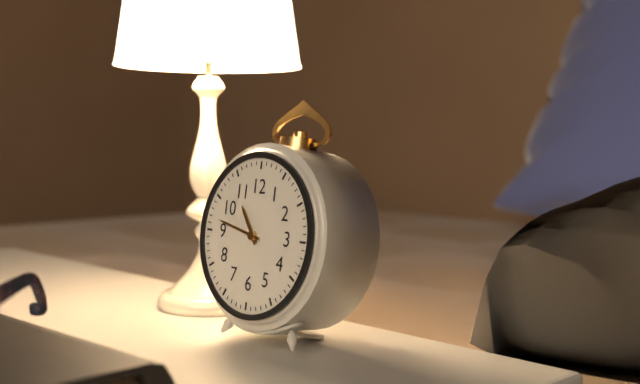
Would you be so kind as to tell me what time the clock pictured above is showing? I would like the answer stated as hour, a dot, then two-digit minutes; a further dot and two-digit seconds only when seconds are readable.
10.47
